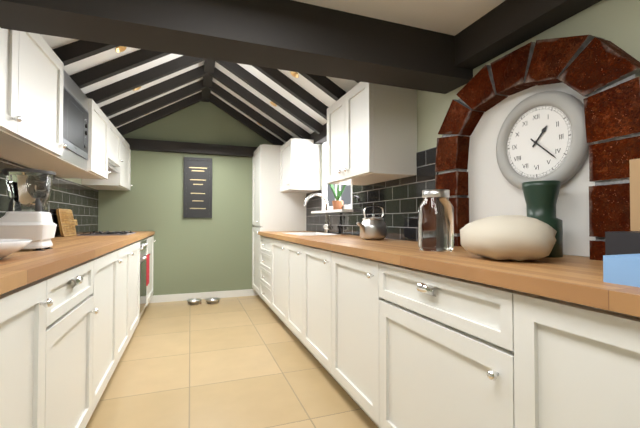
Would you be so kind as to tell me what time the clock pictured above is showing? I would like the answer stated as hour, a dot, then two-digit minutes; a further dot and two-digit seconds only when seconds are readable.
1.22
